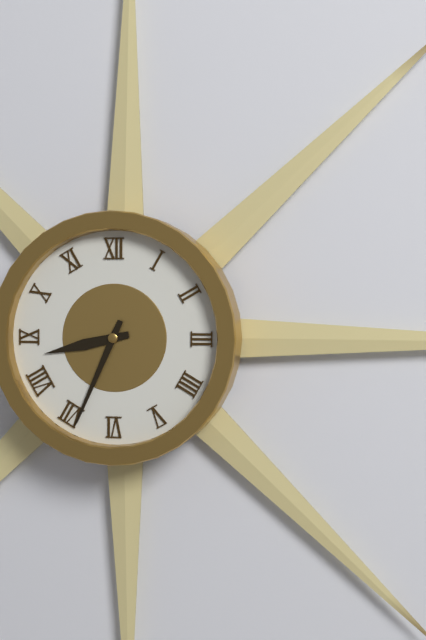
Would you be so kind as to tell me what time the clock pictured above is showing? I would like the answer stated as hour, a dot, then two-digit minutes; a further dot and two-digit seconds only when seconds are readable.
8.34
